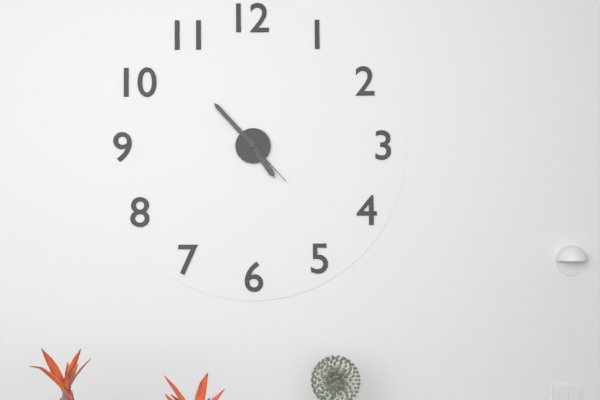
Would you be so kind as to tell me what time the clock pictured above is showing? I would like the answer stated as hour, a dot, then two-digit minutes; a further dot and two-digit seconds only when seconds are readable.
4.53.23
